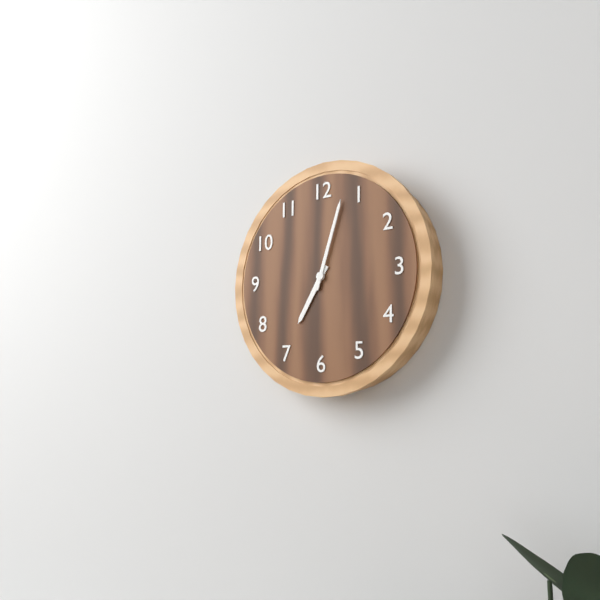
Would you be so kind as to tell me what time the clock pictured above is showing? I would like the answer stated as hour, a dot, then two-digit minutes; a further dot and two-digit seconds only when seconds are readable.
7.03
